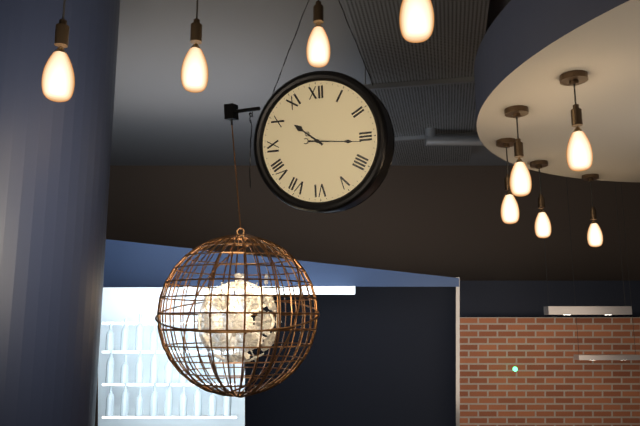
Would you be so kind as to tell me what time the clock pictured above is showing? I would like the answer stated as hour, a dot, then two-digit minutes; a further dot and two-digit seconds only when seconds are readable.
10.16
